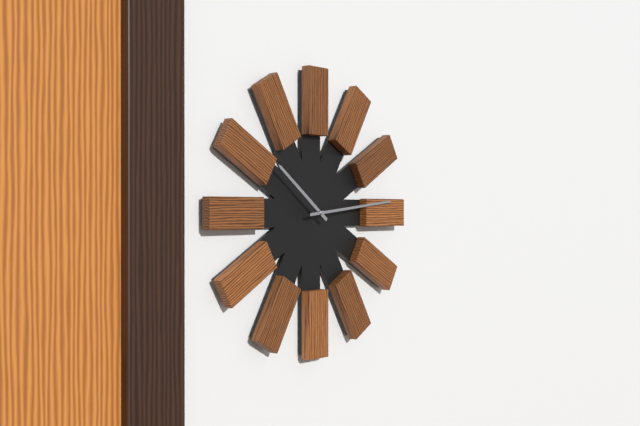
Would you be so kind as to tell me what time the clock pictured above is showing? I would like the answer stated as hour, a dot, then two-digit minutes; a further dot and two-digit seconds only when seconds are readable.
10.14
